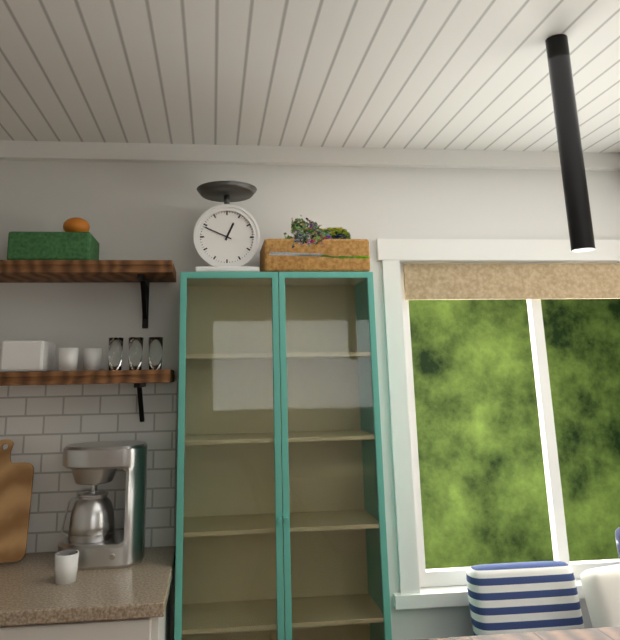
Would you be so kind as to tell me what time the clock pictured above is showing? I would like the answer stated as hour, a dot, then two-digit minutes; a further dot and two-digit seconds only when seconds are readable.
12.49
